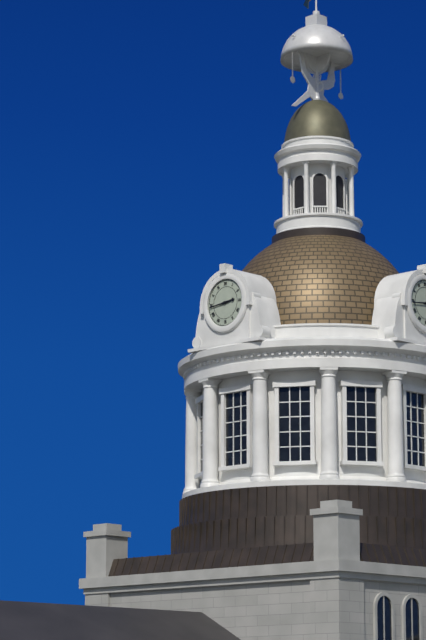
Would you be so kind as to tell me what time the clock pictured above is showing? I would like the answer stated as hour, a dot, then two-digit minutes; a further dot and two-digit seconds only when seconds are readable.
2.44
